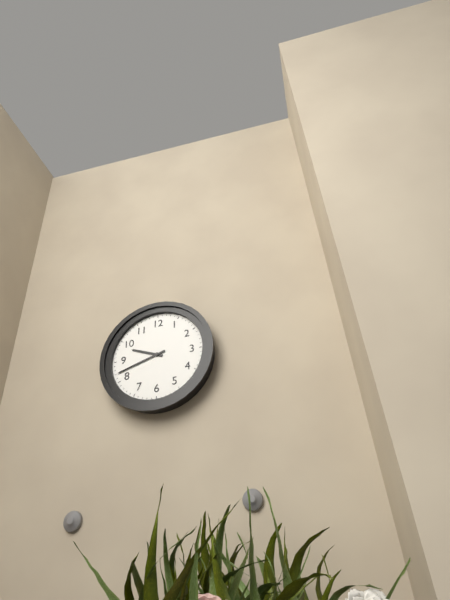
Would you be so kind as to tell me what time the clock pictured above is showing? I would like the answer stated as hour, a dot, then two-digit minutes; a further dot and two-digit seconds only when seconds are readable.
9.42
